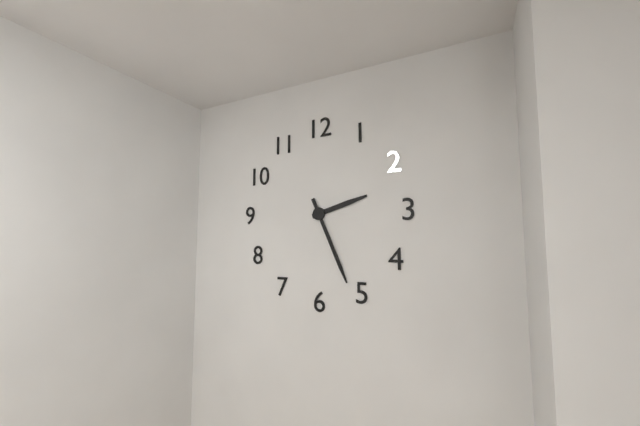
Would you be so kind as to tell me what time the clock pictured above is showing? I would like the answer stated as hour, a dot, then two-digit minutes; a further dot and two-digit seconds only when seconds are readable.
2.26
